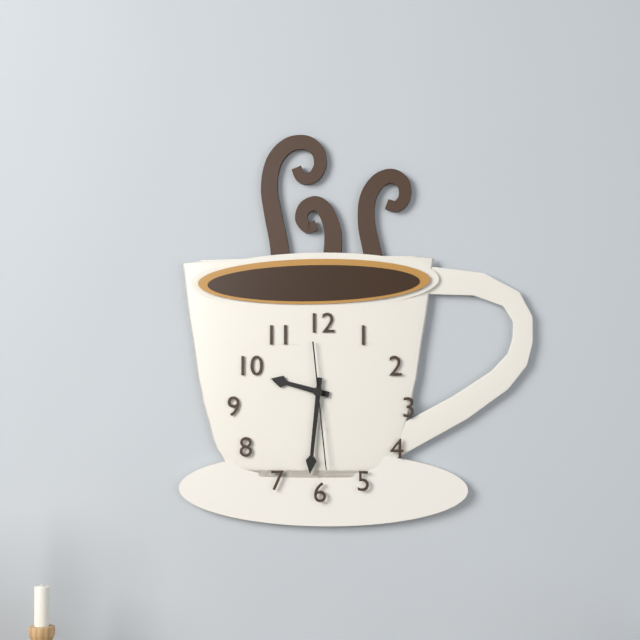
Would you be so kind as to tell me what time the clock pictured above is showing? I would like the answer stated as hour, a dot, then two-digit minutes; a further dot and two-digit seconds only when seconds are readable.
9.31.29
